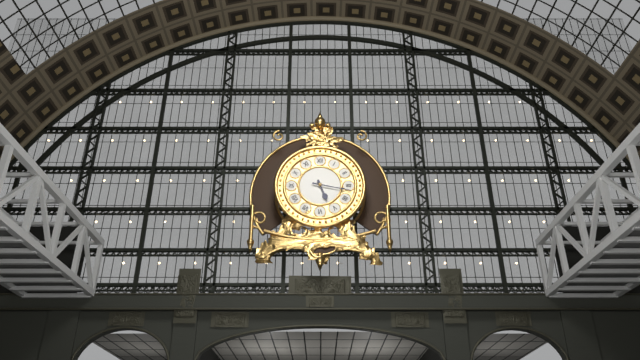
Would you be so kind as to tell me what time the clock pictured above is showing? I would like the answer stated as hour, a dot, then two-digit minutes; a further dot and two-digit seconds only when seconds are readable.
5.17
